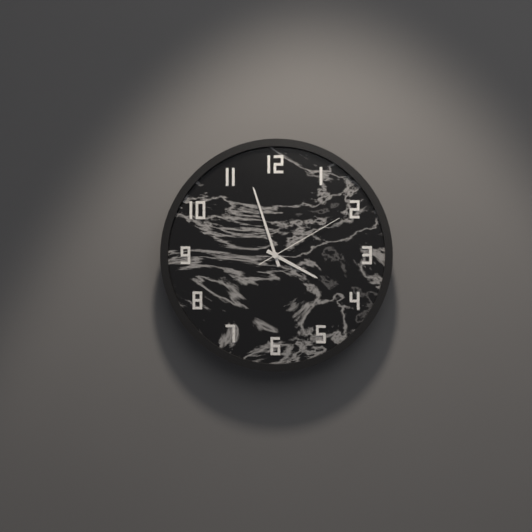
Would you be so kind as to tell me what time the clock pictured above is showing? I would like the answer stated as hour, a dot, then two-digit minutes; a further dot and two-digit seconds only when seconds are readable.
3.57.10
